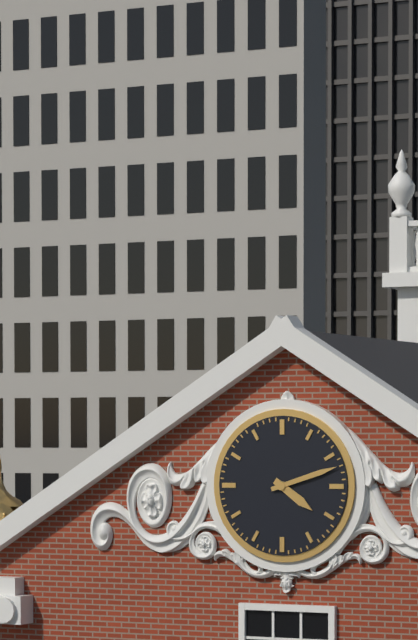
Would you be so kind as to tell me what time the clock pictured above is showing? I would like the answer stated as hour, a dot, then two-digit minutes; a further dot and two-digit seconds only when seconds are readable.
4.12
